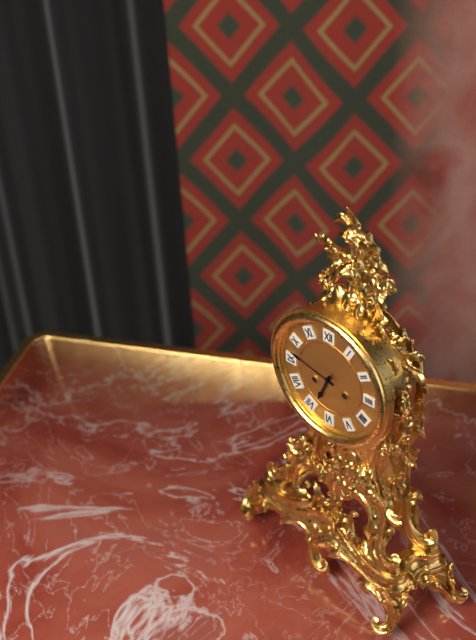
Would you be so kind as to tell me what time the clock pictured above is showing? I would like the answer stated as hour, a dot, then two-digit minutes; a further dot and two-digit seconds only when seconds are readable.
6.47
